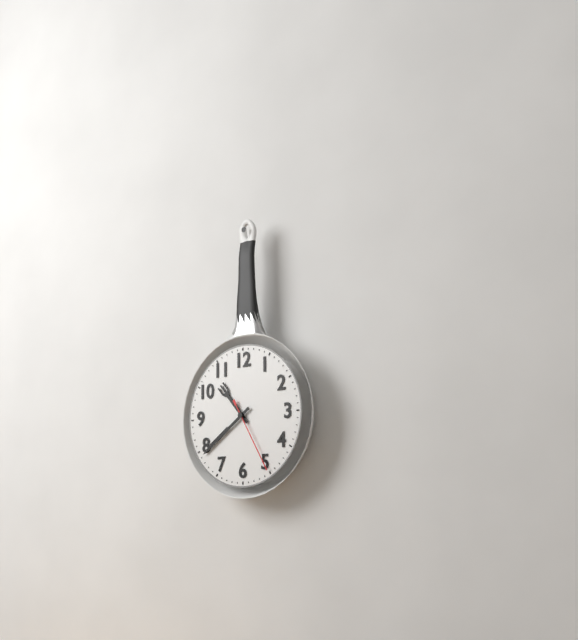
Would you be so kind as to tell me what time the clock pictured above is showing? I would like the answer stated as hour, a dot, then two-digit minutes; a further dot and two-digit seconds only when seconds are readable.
10.39.25
